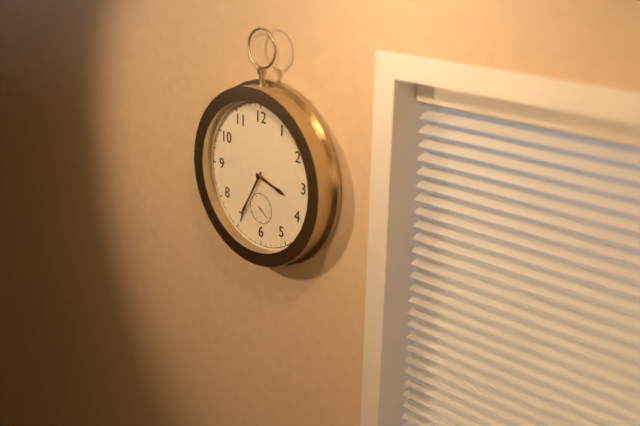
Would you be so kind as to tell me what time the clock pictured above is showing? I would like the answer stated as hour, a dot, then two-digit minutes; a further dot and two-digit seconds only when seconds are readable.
3.35
